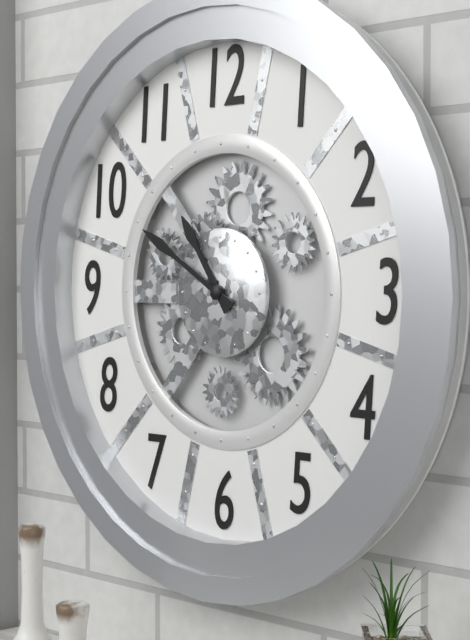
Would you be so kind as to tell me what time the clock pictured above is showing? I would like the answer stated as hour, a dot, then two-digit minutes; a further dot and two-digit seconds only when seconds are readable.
10.50
